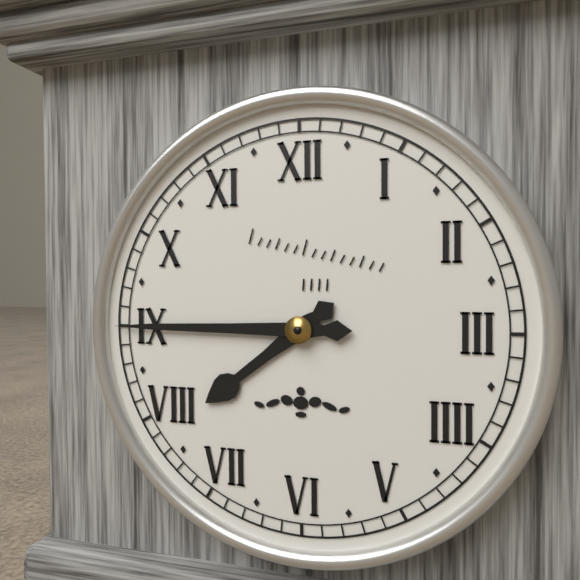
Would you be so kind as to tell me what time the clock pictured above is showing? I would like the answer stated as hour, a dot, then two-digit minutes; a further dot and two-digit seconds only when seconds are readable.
7.45
